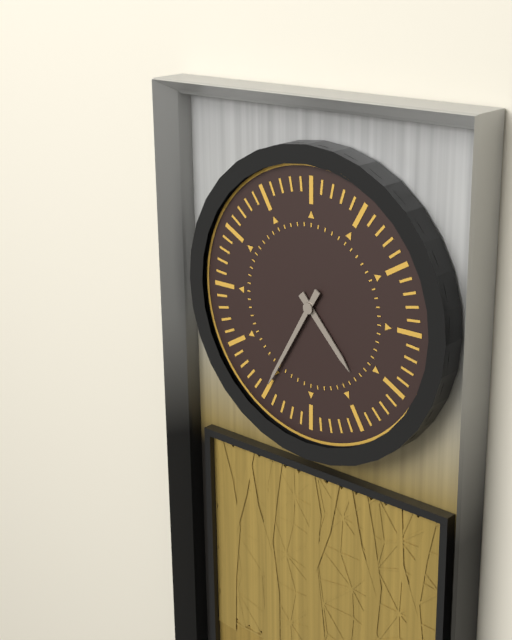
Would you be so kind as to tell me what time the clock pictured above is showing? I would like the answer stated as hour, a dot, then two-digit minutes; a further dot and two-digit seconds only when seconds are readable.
4.35
